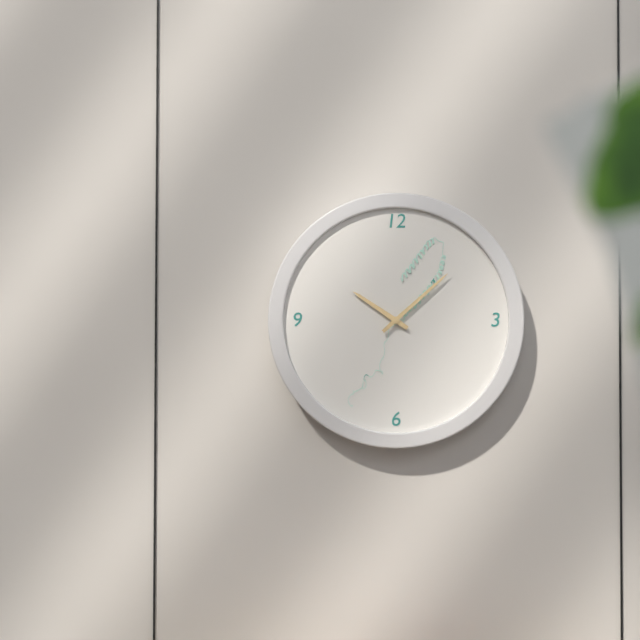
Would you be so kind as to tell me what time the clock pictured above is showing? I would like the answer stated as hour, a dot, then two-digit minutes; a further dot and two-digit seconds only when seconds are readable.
10.08
